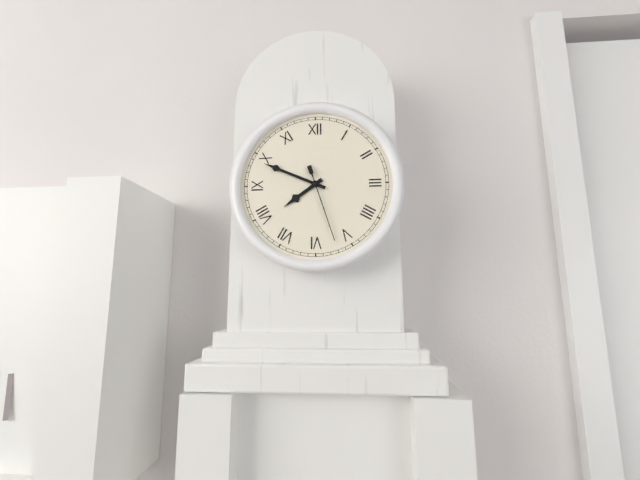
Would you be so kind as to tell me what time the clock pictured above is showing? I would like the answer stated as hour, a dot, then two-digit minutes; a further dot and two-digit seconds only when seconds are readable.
7.49.27
